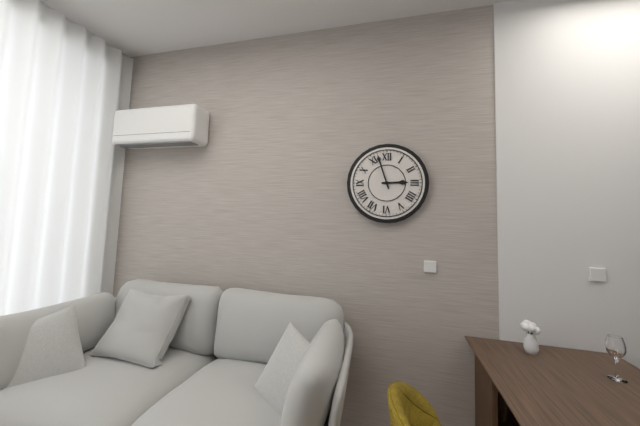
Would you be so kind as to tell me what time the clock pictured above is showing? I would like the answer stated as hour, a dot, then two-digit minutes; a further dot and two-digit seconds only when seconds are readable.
2.57
